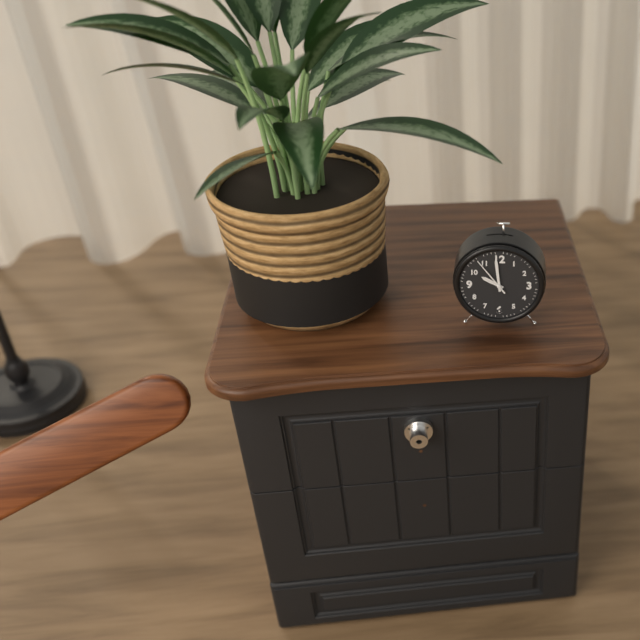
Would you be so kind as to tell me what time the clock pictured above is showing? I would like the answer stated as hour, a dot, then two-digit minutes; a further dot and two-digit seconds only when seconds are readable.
9.59
